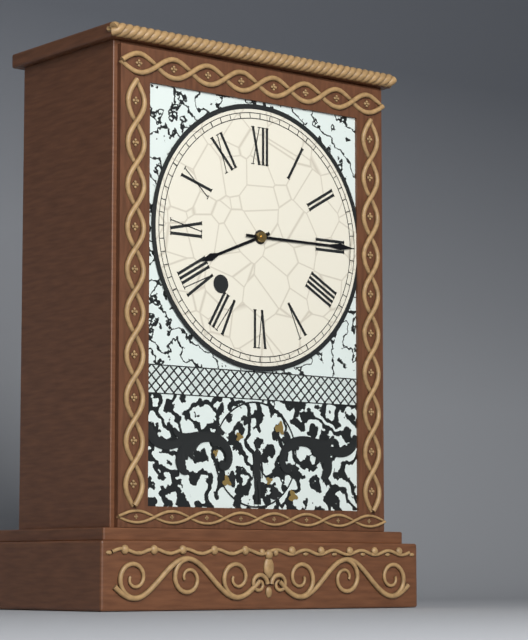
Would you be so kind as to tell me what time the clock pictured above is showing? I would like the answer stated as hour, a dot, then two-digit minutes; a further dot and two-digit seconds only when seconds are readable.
8.15
